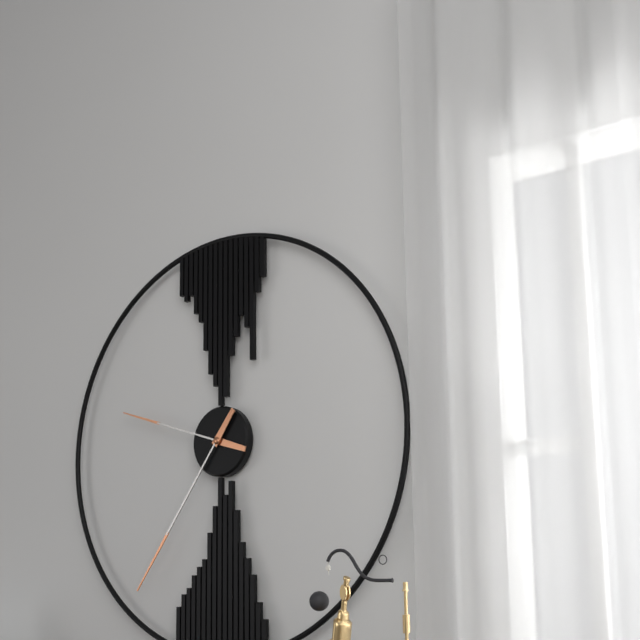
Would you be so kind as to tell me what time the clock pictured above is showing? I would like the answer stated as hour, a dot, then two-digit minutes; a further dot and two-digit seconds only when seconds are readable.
9.36
